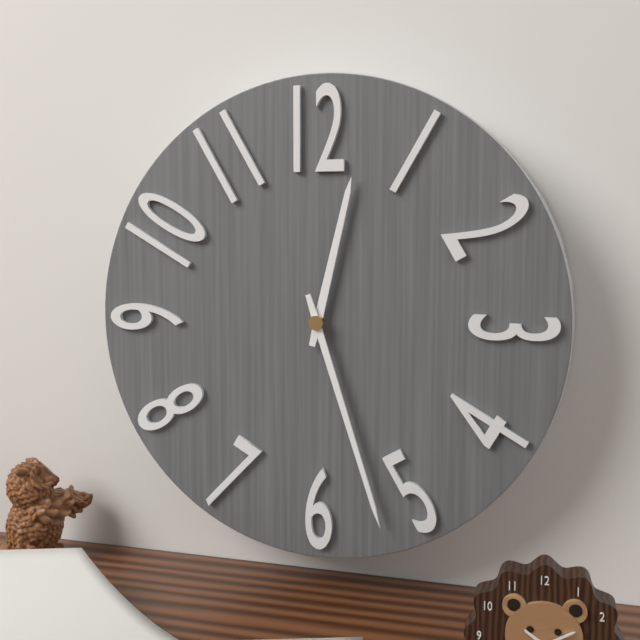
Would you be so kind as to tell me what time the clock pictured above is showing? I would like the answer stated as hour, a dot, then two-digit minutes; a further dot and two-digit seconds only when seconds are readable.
12.27
